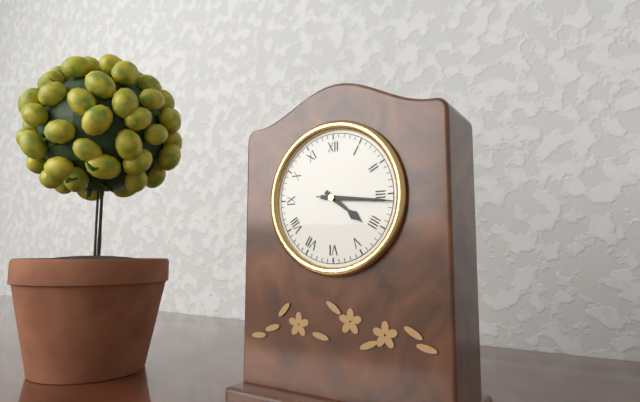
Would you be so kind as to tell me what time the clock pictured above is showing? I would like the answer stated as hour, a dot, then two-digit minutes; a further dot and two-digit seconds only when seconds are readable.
4.16.16
